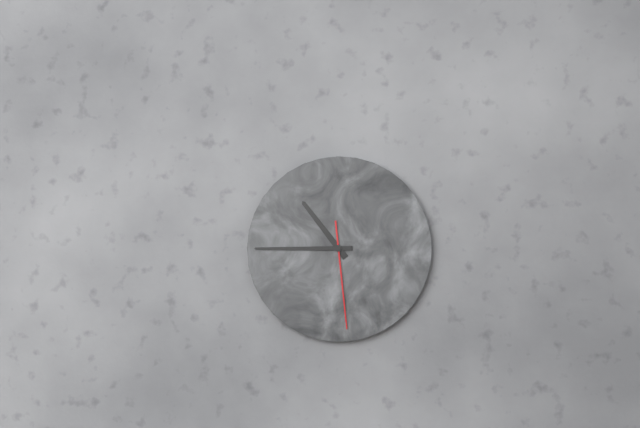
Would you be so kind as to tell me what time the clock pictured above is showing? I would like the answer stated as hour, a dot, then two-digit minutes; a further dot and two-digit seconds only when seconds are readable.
10.45.29
